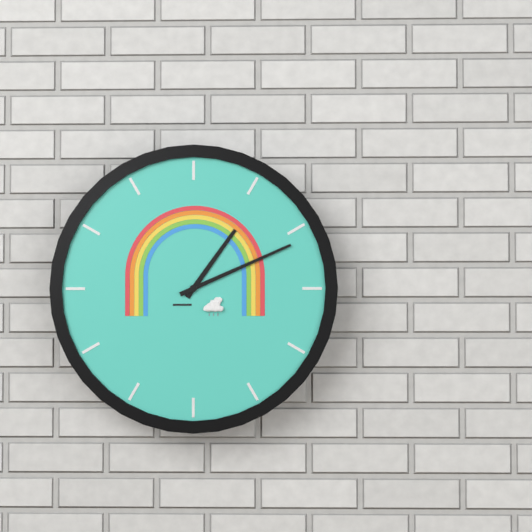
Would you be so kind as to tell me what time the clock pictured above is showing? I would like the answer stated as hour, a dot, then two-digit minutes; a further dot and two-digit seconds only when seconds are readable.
1.11
